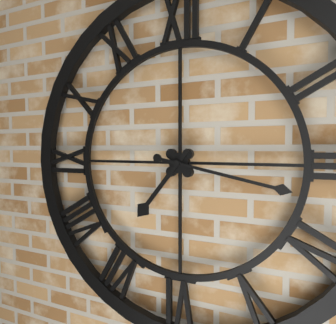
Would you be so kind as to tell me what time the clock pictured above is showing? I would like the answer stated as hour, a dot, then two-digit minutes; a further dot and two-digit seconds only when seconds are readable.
7.17
